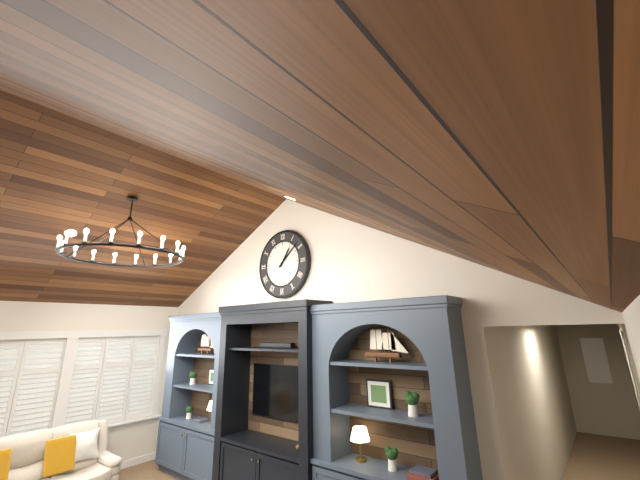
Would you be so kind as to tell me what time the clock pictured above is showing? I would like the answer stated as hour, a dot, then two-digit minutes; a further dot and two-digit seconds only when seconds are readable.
1.08
